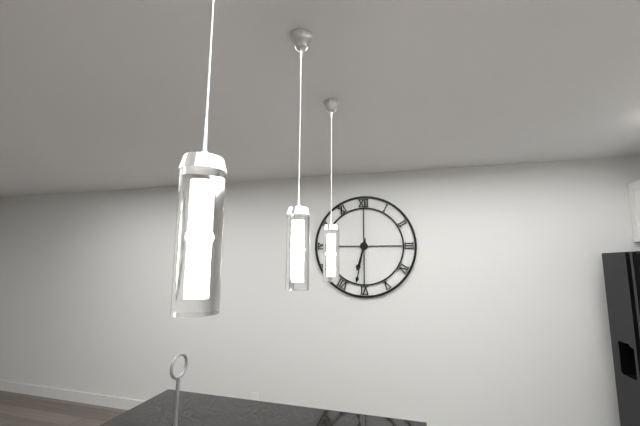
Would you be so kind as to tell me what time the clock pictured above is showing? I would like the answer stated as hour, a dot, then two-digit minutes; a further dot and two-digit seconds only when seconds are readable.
6.32
